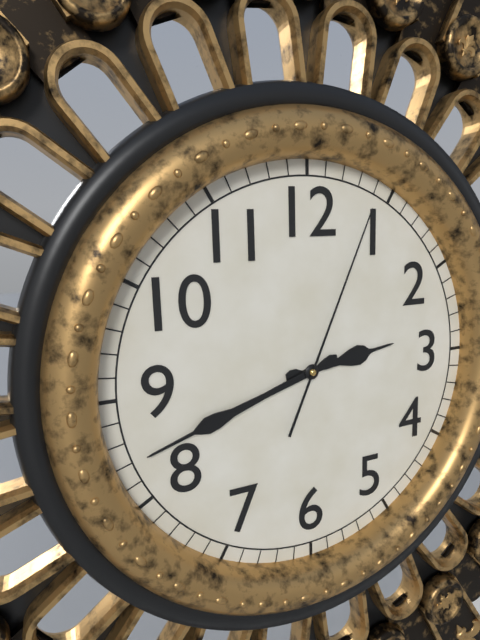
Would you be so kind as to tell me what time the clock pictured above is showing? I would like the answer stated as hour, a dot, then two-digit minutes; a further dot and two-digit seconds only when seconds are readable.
2.42.04
